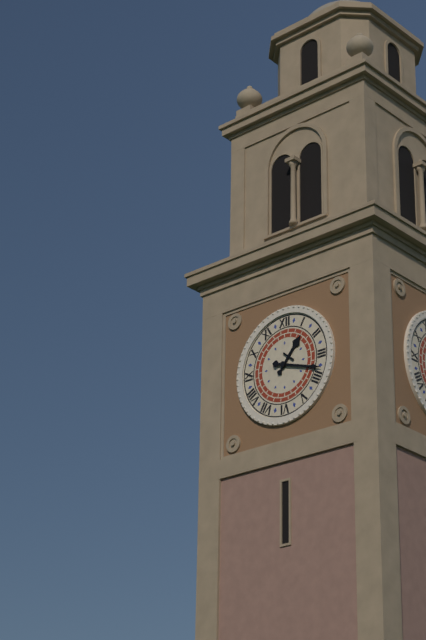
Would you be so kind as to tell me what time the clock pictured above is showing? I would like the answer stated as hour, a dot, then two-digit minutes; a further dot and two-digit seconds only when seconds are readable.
1.18
